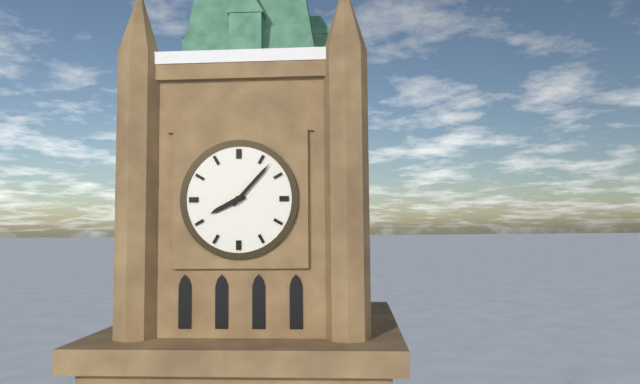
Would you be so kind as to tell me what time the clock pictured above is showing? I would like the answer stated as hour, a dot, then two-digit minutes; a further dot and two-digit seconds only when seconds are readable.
8.07
